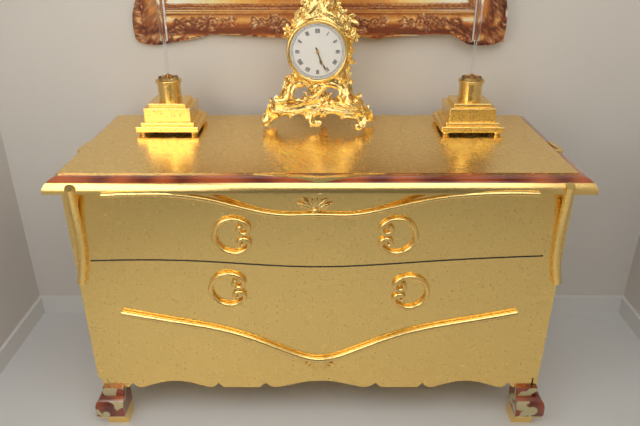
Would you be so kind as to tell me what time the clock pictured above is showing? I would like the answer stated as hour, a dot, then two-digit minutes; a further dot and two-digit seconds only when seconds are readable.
5.26
